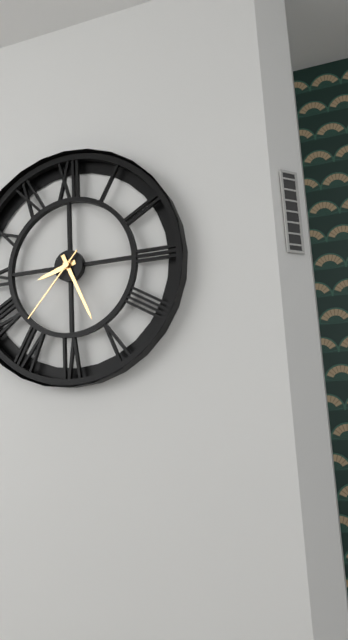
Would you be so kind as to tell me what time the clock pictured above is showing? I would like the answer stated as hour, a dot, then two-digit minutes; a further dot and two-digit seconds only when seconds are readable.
8.26.37
